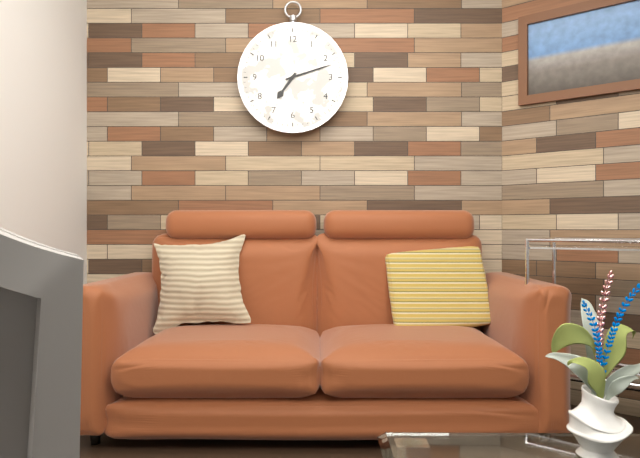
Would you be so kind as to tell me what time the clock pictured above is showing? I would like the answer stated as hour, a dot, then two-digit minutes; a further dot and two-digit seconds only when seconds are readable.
7.12
